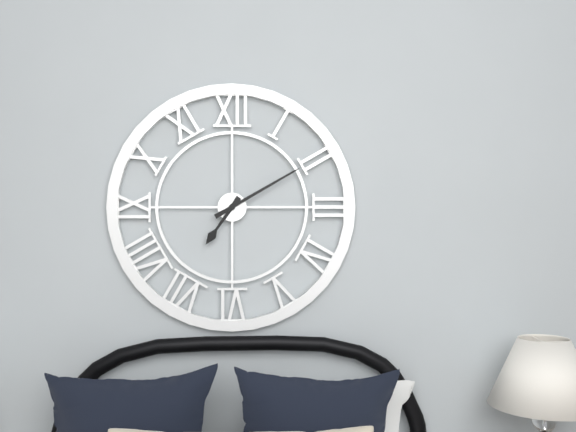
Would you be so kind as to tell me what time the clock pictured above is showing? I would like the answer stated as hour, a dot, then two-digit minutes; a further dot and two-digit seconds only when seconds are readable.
7.10
